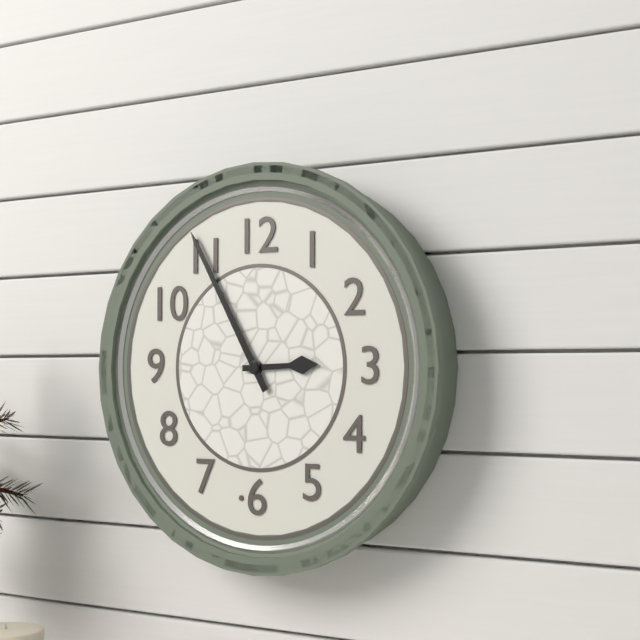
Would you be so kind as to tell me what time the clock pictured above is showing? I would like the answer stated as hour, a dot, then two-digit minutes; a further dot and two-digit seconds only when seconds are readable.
2.55
